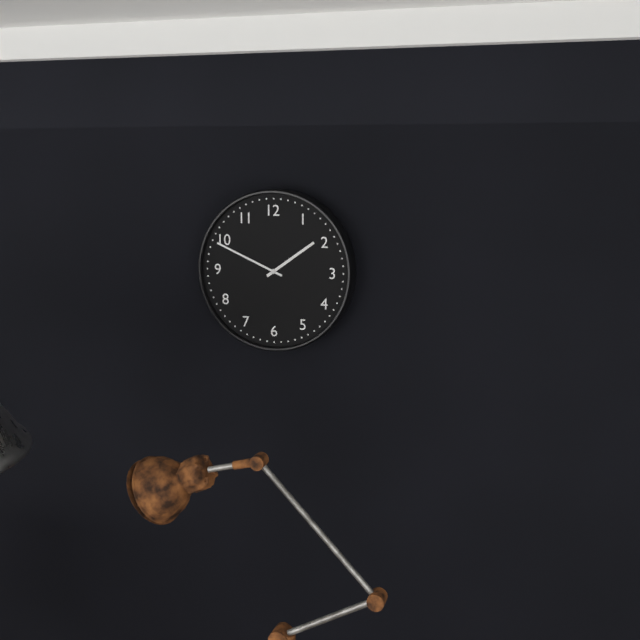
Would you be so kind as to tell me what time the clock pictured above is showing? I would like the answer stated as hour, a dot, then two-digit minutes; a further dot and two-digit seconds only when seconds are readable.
1.49
